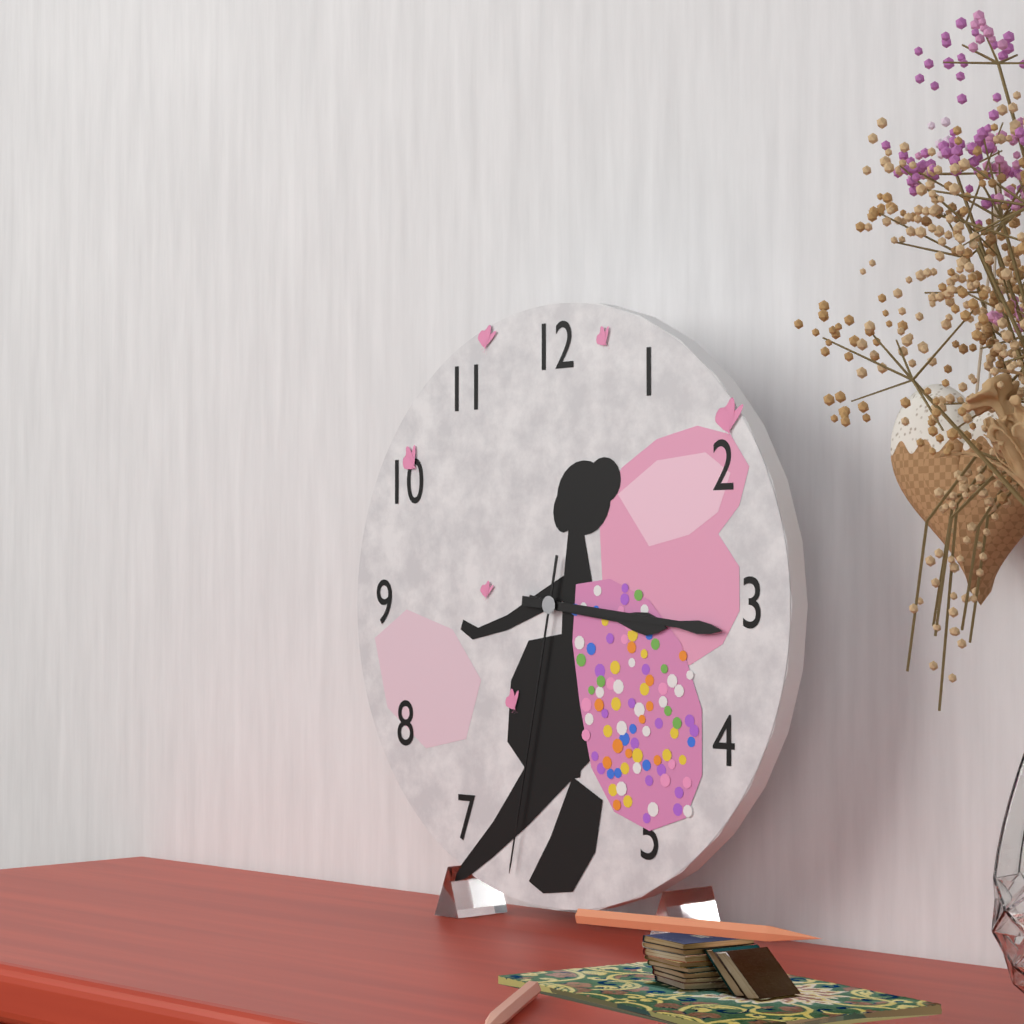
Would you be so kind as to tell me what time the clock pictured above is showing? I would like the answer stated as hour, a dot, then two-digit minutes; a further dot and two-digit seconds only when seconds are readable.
3.16.32
